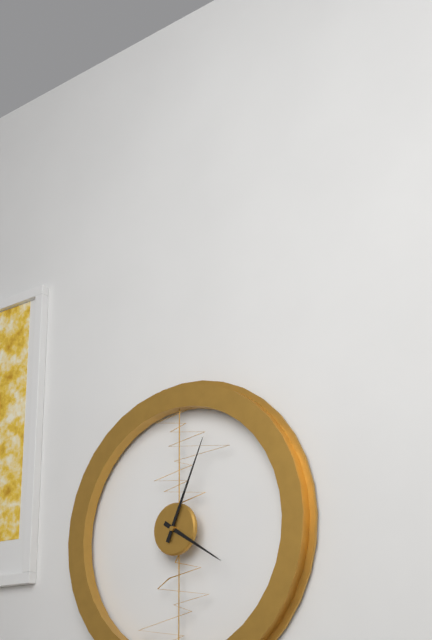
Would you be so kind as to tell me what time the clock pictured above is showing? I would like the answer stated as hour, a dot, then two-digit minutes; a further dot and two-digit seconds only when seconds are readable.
4.04
